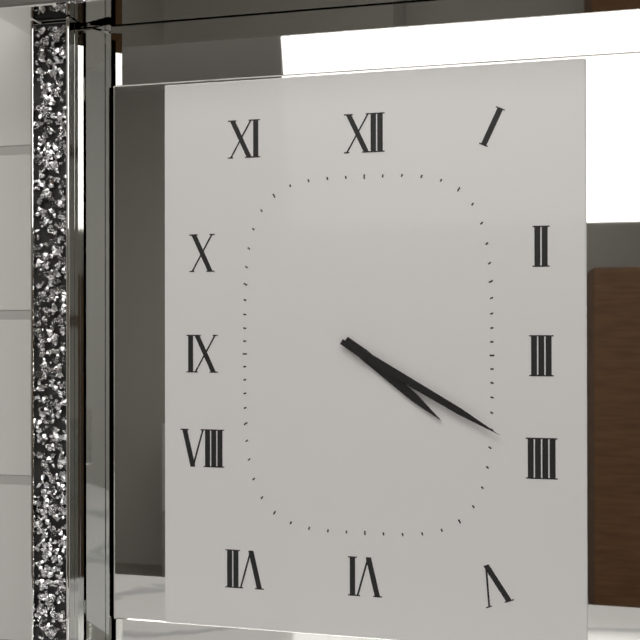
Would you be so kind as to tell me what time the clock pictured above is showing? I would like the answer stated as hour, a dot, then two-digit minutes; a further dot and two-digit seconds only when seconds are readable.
4.20
